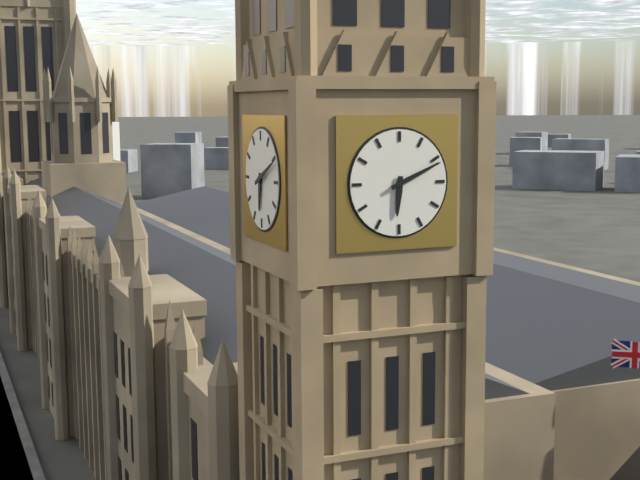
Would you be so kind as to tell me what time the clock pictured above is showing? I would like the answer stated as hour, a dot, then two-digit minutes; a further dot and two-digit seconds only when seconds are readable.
6.11
